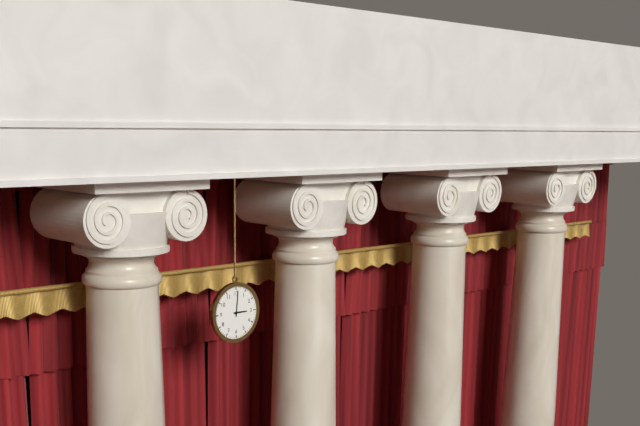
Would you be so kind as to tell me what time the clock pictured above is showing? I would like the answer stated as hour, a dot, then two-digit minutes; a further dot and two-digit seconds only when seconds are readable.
3.01
